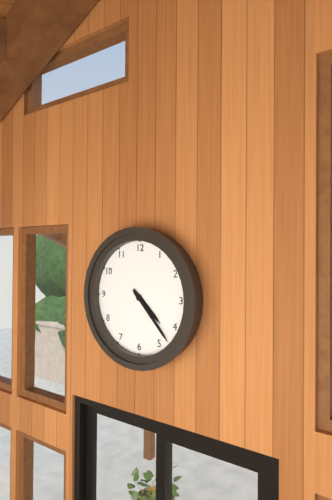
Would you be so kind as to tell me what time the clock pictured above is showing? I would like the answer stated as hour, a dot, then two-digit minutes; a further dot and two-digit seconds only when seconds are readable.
4.23
